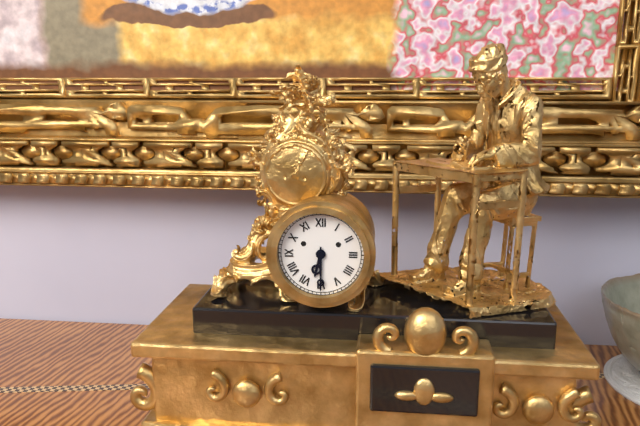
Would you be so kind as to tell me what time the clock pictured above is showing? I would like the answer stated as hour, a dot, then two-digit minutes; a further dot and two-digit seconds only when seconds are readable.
6.30
